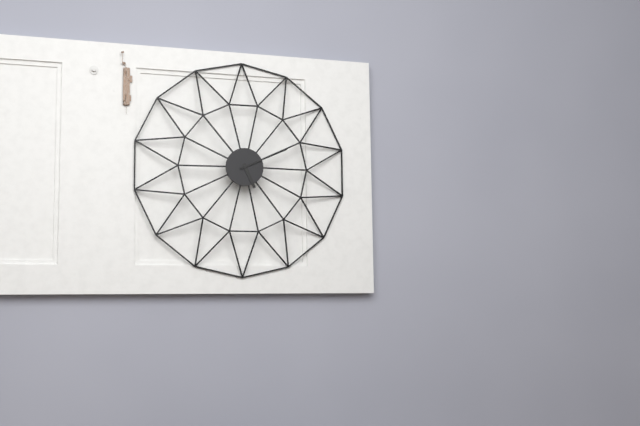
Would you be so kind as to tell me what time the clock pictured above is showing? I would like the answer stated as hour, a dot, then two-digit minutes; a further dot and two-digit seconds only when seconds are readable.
5.11
